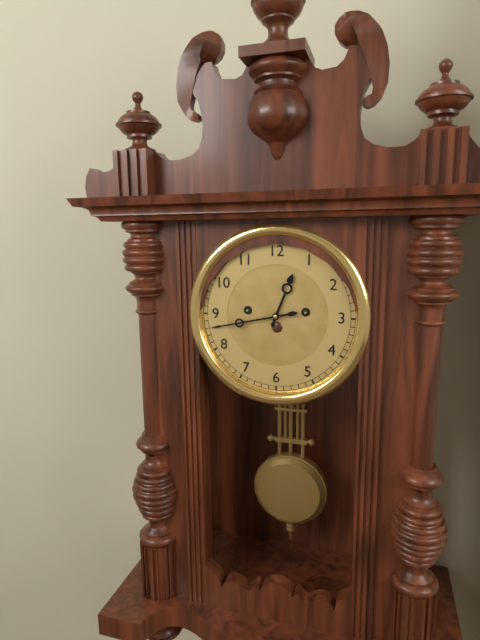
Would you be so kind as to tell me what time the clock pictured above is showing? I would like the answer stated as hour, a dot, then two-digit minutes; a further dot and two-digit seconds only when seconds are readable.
12.43
